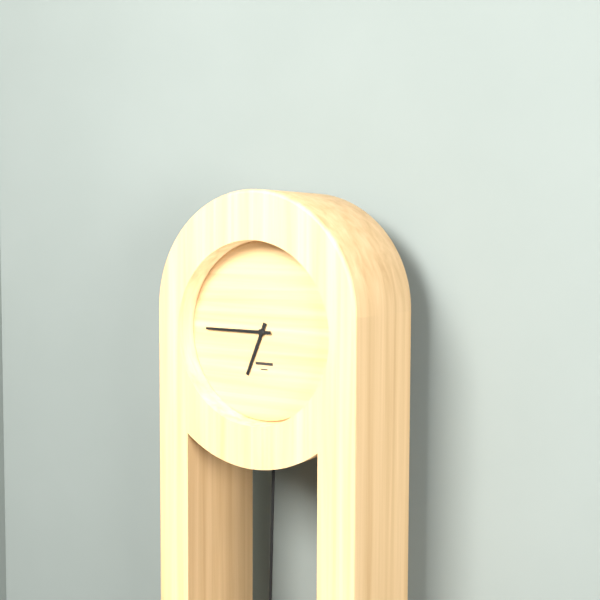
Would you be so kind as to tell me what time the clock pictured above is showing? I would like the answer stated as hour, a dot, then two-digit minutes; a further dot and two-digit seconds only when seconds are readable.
6.45
